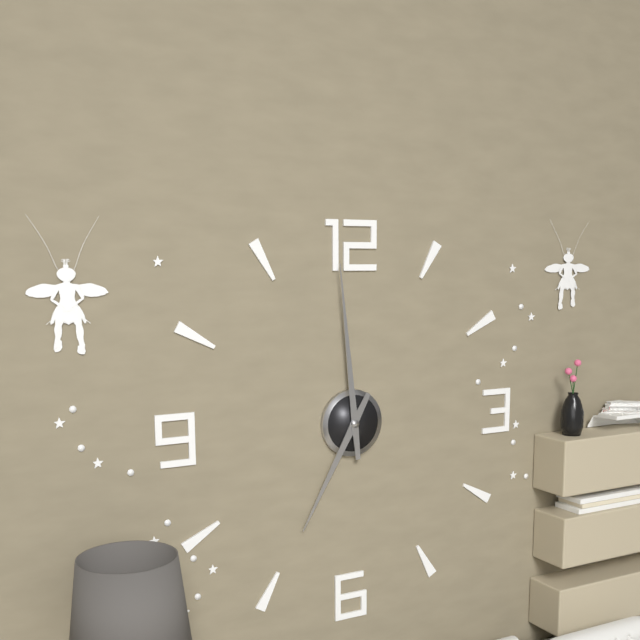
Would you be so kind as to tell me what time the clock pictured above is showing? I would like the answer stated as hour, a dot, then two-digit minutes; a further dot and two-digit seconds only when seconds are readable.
6.59
